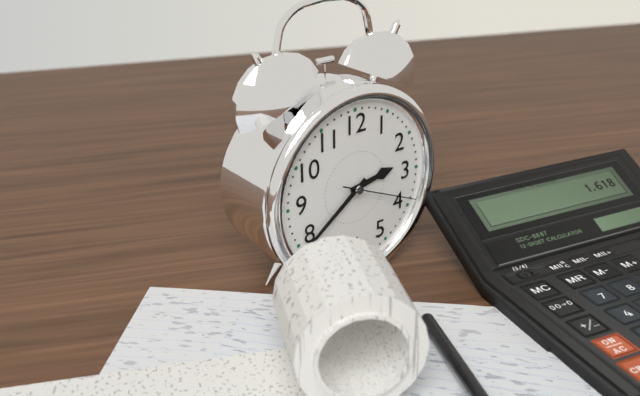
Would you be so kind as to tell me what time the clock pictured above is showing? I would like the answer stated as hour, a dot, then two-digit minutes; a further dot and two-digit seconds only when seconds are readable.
2.39.19
